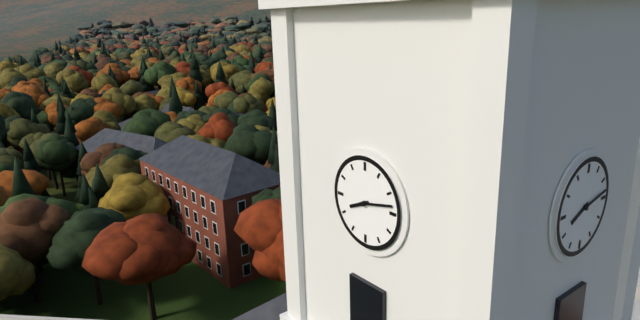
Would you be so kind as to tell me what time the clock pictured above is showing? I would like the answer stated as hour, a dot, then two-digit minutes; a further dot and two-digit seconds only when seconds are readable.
8.13
